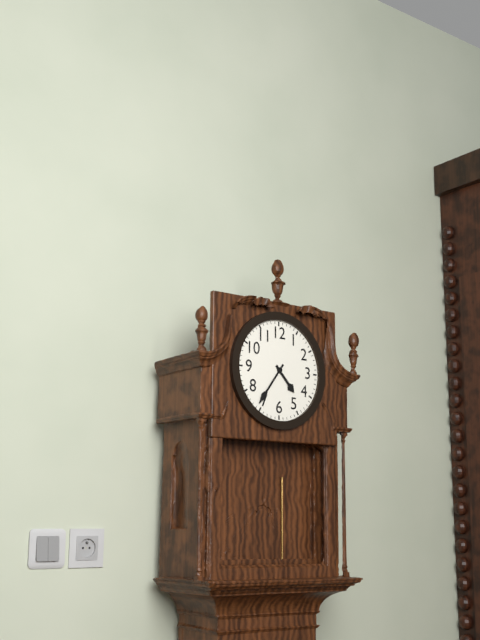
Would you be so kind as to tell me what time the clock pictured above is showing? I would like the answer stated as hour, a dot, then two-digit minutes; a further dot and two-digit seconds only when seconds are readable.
4.36
